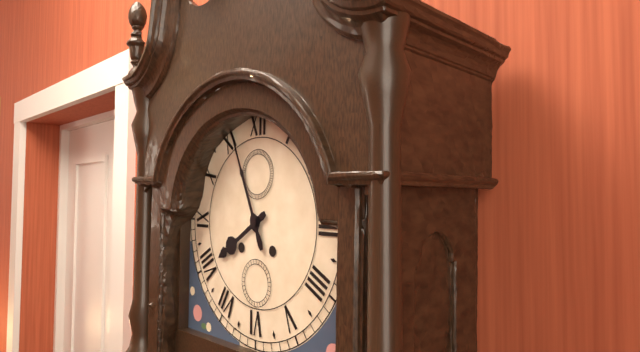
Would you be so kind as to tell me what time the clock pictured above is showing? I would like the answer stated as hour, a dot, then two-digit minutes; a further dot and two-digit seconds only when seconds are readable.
7.56
